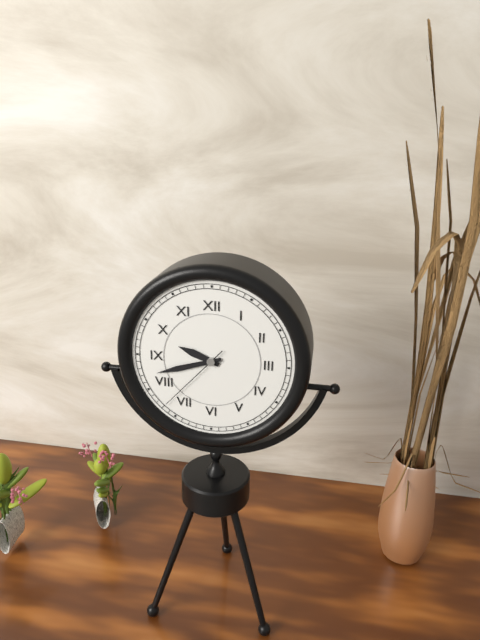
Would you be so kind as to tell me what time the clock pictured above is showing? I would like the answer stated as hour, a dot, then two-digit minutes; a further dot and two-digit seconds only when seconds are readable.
9.42.37
